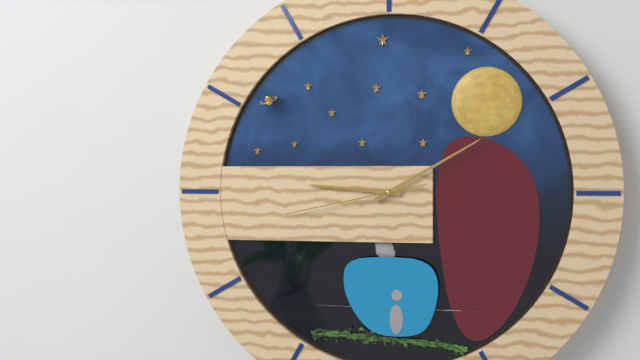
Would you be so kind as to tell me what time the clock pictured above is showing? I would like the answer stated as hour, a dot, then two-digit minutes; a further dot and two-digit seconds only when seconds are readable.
9.10.43
